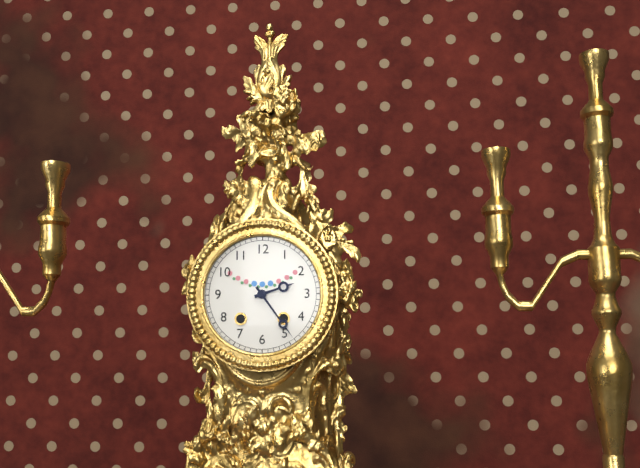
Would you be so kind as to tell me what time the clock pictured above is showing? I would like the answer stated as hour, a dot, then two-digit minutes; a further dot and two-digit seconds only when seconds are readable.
2.24
